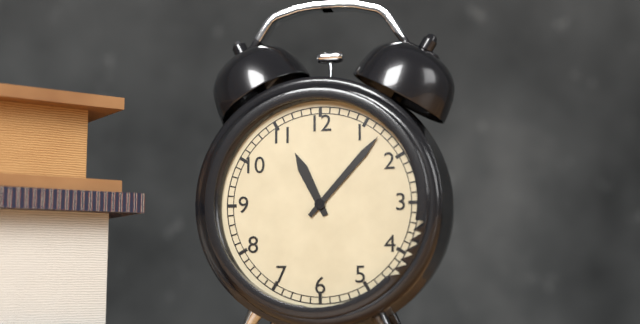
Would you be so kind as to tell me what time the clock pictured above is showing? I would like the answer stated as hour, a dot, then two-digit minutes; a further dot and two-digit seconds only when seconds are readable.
11.07
